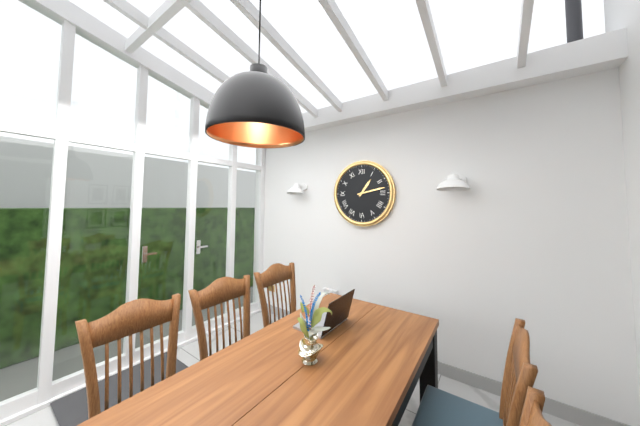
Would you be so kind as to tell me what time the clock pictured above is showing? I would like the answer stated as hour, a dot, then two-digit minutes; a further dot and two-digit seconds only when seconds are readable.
1.13
